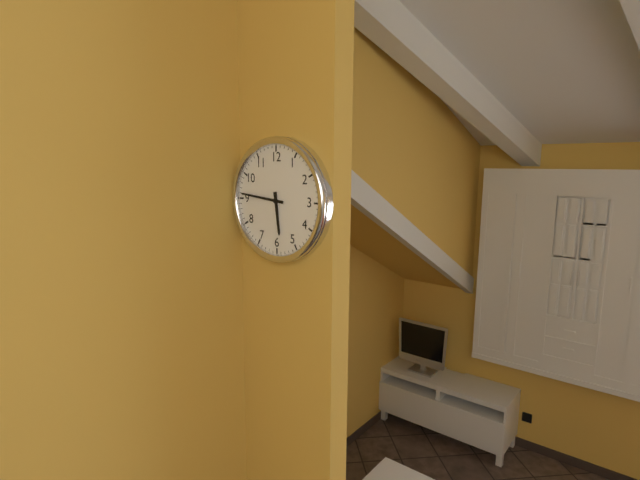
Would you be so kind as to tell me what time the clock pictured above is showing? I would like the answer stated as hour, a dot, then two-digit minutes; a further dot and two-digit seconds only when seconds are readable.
5.46
